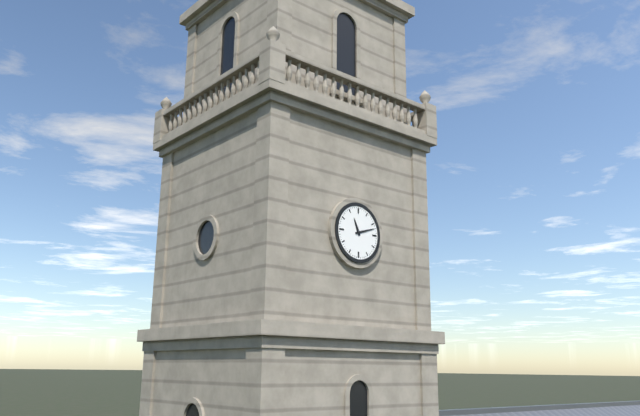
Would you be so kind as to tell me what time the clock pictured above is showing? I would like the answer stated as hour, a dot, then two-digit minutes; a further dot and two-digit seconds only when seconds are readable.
11.12
